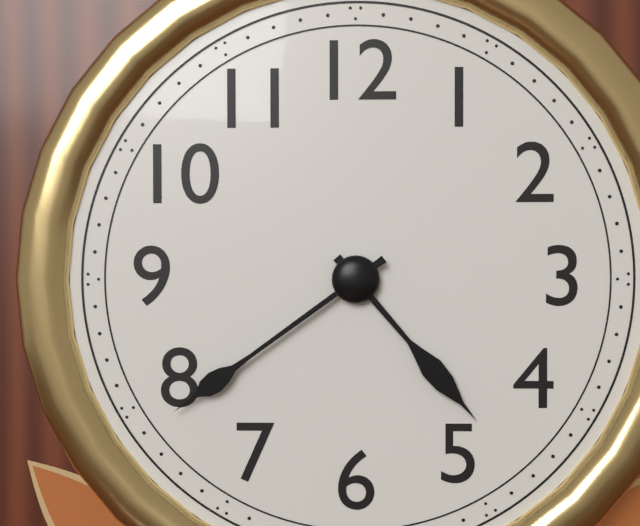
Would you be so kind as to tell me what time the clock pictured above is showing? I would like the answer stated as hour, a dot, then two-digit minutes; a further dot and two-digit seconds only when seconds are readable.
4.39
